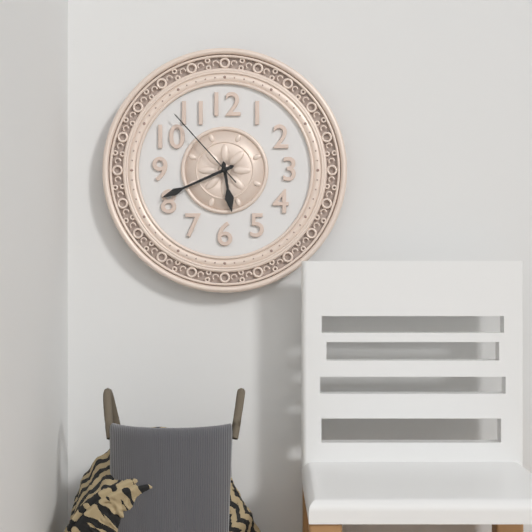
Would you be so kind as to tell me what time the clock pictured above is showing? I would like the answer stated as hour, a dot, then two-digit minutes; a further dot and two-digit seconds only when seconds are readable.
5.41.53
